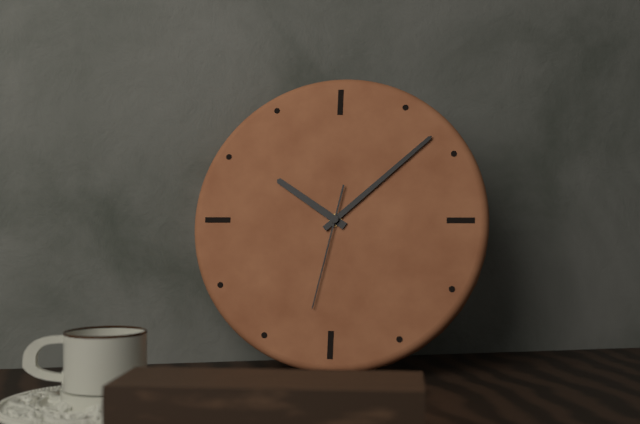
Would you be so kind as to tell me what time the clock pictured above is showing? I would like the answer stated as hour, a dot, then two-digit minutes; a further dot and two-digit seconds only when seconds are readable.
10.08.32
